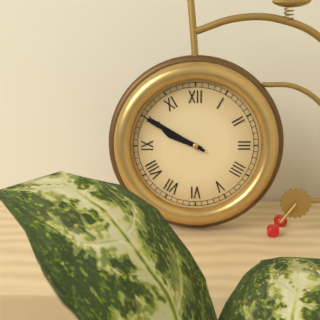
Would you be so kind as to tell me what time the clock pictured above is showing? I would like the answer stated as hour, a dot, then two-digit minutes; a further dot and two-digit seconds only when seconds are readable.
9.50
